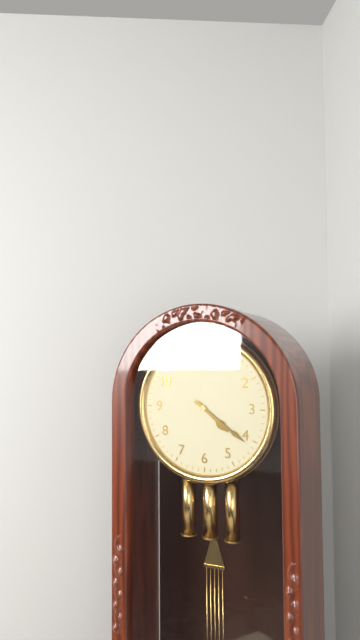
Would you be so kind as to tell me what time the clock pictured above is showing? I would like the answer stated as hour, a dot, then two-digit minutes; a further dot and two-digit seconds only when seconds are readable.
4.21
